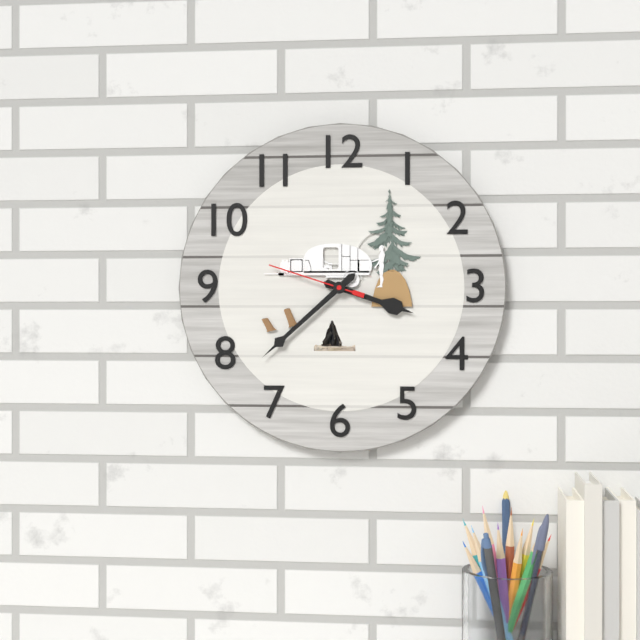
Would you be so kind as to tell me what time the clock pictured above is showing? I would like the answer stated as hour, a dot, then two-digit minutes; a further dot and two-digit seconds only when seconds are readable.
3.38.48
